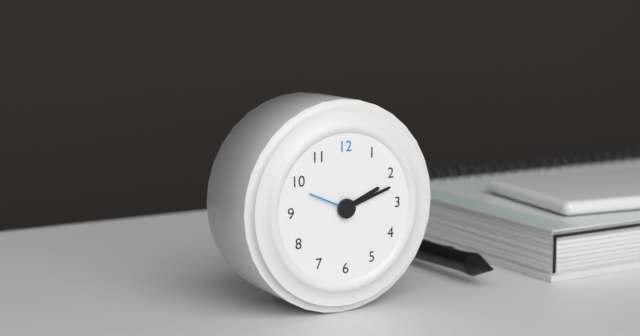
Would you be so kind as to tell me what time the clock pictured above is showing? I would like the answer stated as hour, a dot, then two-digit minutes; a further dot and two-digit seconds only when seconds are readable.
2.12.49
